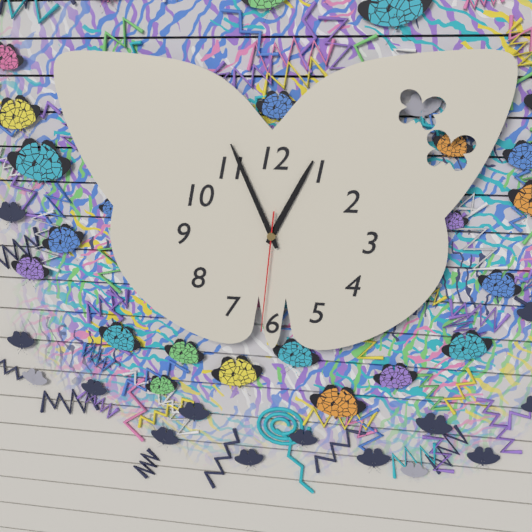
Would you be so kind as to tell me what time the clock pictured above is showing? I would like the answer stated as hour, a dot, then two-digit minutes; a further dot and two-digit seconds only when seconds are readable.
12.56.31
